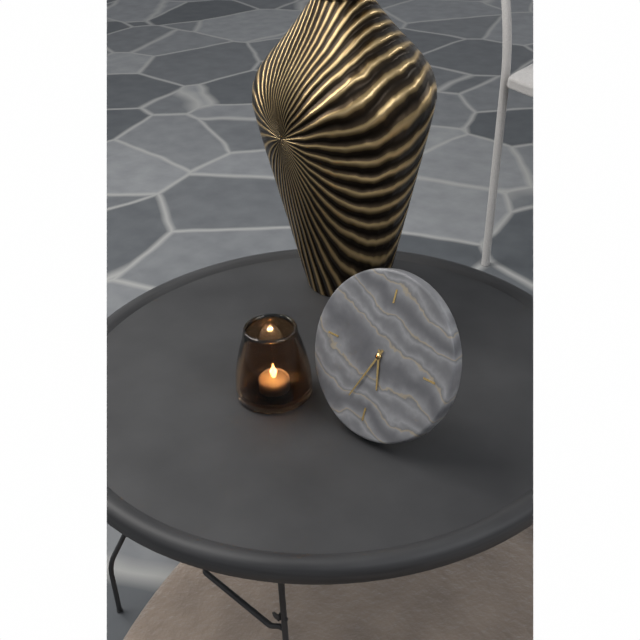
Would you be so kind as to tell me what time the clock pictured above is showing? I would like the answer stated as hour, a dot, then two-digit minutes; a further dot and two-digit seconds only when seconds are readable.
5.34
